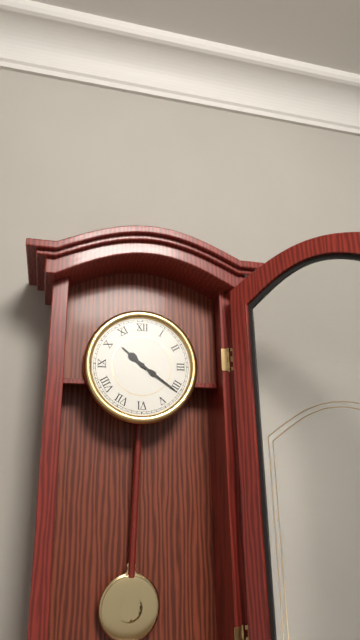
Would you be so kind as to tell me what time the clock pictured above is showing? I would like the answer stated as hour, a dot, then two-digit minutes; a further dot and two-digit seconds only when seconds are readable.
10.21
